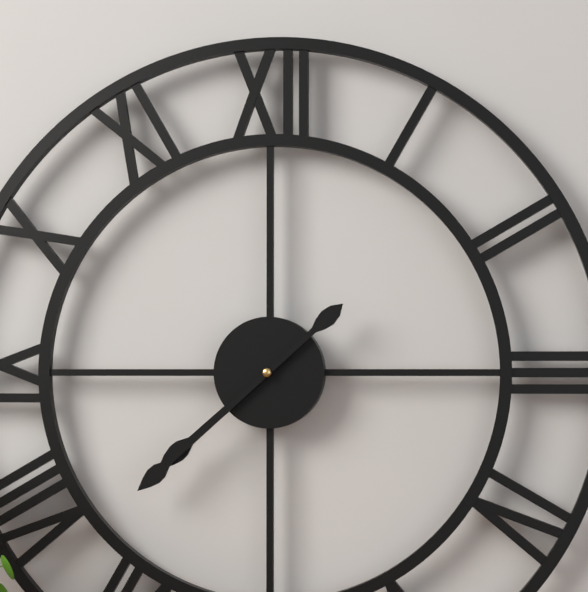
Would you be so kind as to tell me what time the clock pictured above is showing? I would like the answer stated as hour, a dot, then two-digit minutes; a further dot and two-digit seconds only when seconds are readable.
7.38
